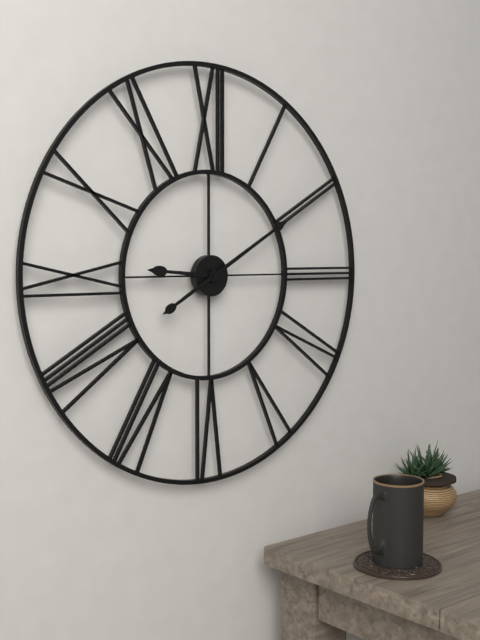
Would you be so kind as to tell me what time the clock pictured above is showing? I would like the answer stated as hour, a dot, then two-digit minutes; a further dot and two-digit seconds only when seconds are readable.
9.10
